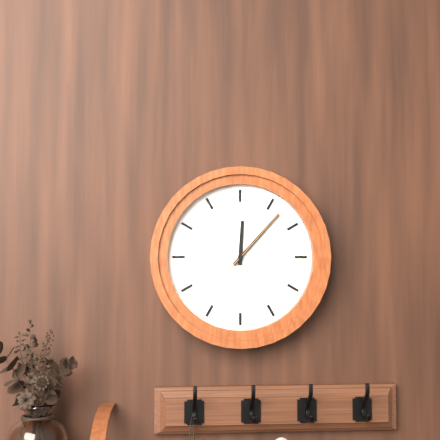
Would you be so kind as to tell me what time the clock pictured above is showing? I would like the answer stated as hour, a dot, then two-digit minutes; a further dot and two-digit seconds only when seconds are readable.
12.07.07
